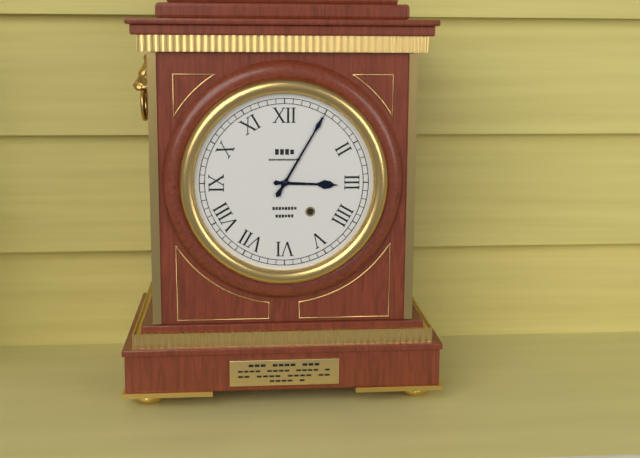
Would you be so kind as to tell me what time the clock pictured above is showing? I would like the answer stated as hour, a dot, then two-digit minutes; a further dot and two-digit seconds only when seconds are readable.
3.05
